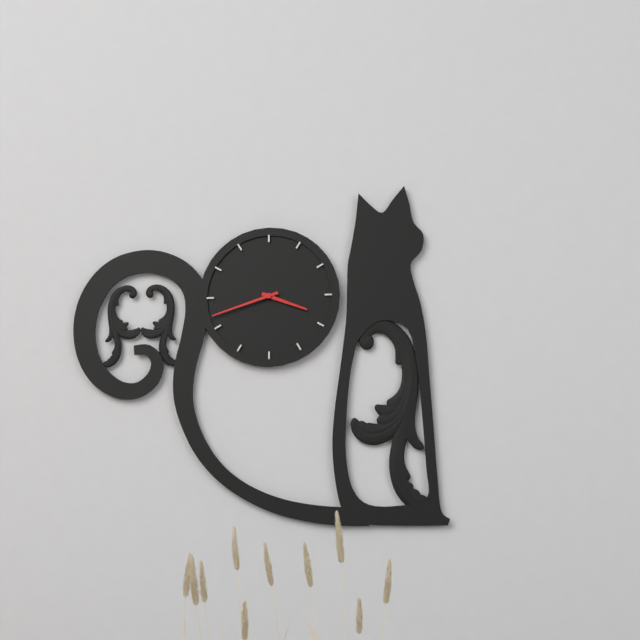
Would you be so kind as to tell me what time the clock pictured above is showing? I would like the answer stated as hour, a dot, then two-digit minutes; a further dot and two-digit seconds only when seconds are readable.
3.42
